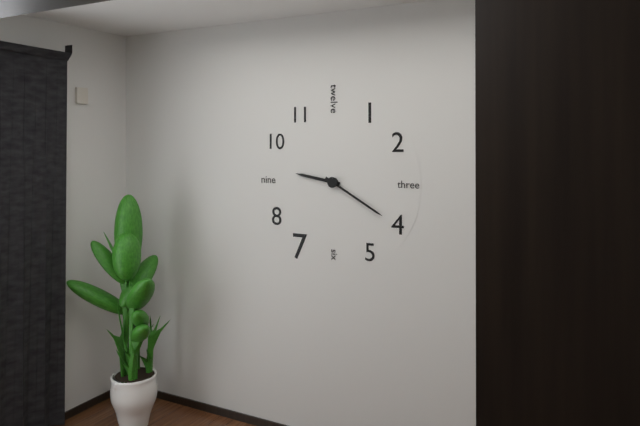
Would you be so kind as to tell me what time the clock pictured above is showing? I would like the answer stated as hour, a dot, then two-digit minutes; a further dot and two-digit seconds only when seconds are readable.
9.20
